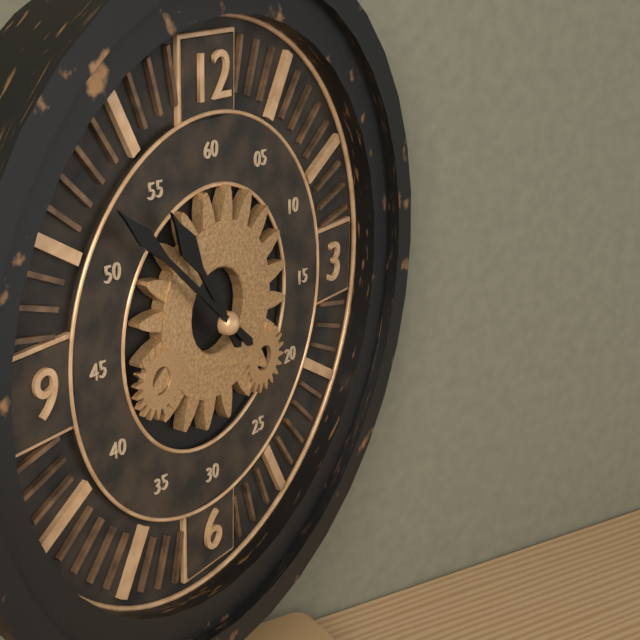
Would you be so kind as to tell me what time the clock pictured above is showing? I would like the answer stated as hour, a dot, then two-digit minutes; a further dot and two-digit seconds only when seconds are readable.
10.52
